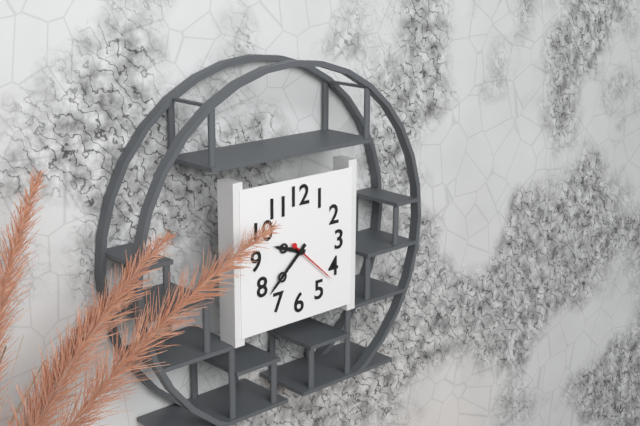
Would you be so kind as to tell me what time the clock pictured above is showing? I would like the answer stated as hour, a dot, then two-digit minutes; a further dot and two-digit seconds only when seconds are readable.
9.38.22
